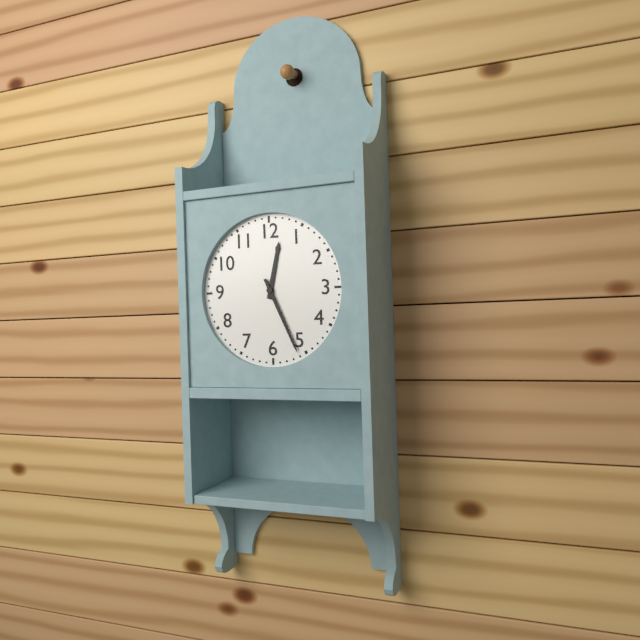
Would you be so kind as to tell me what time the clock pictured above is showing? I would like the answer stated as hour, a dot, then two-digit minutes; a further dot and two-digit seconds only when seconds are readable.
12.26
